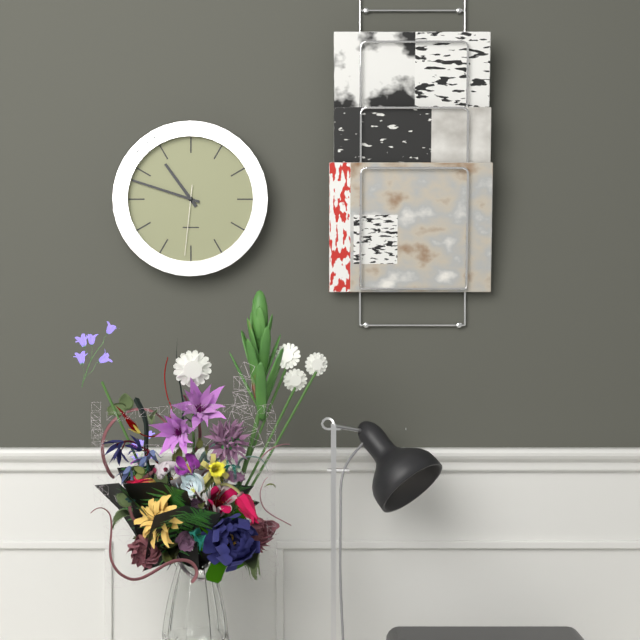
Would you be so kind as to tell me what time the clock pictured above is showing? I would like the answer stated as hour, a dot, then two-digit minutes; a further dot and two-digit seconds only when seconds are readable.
10.48.31
